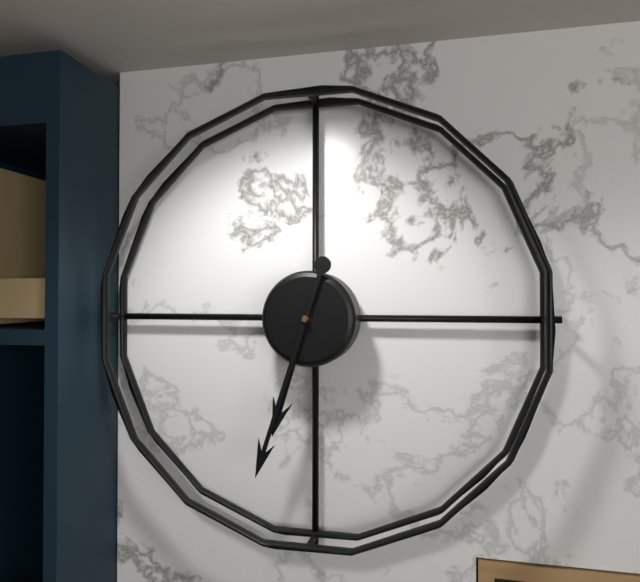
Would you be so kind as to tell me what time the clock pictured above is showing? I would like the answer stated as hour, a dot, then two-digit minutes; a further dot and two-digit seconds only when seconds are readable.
6.33
